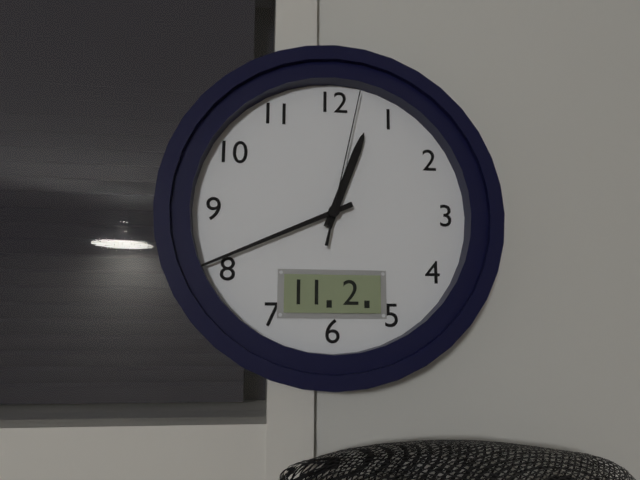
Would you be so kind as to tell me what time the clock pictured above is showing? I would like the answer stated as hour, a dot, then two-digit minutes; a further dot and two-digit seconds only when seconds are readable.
12.41.02
